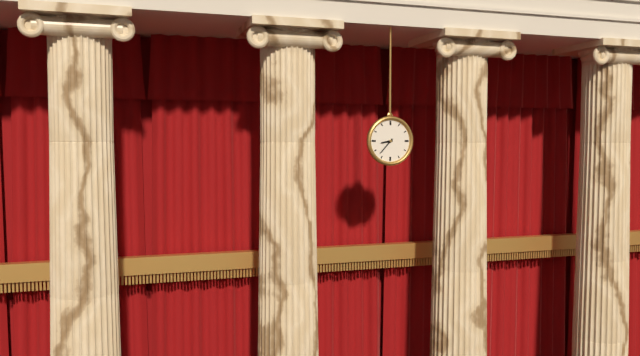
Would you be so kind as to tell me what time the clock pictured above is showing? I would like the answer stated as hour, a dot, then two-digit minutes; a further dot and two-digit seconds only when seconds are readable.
8.37
